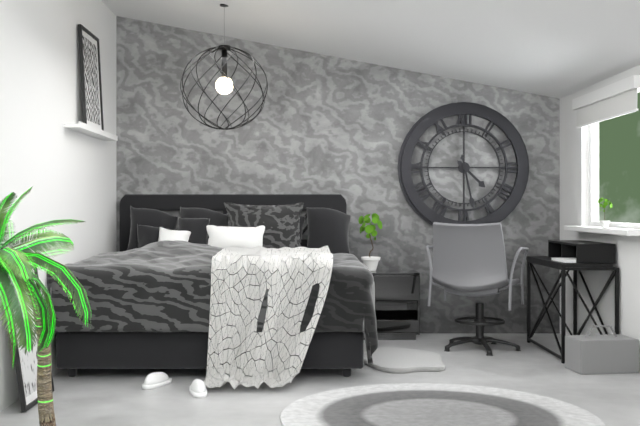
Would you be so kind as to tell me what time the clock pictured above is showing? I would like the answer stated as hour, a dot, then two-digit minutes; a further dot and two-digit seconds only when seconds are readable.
4.28
